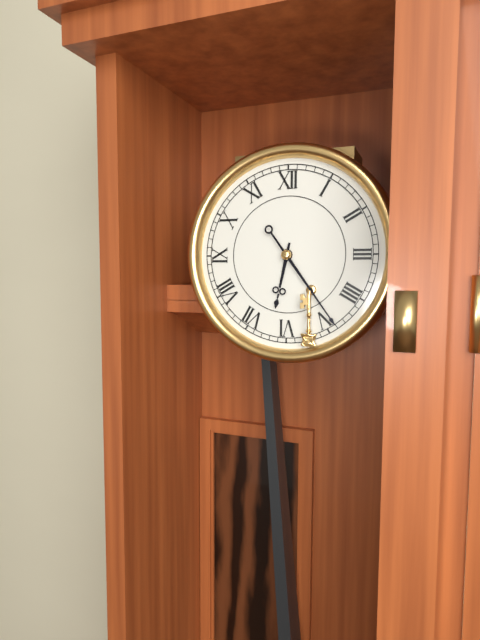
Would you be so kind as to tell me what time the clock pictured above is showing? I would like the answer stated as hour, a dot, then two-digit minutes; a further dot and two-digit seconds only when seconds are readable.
6.24
